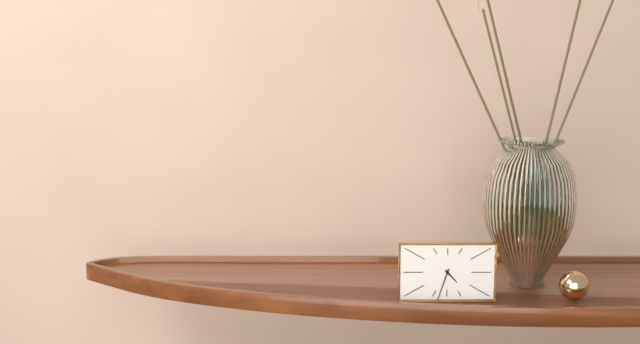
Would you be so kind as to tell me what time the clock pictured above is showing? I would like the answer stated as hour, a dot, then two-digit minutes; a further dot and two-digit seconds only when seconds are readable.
4.33
